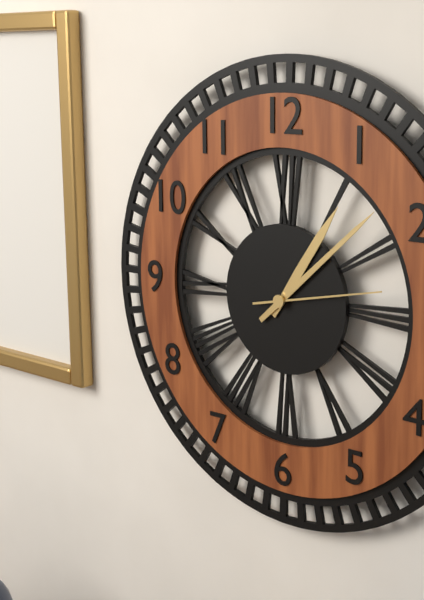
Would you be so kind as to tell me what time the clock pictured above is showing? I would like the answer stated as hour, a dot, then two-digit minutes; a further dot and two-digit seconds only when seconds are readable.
1.08.13
